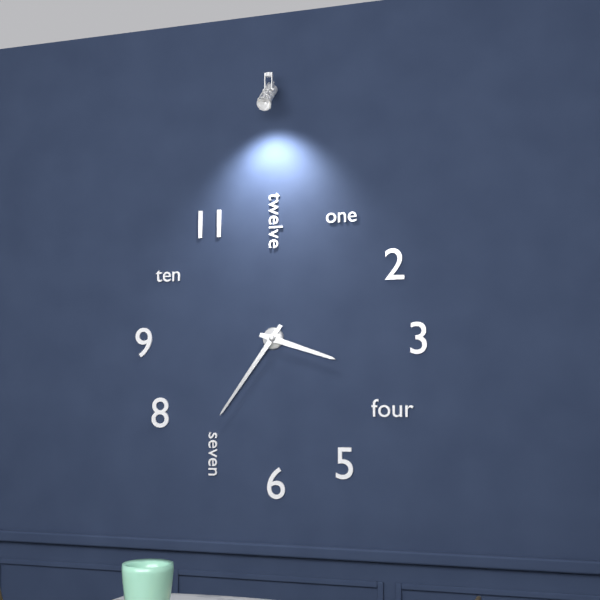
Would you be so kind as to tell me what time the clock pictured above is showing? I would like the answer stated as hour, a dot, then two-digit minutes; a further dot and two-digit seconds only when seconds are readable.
3.36
